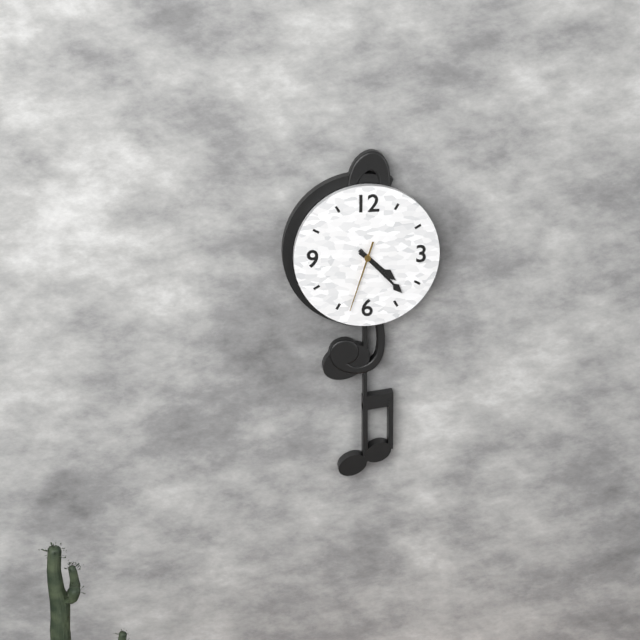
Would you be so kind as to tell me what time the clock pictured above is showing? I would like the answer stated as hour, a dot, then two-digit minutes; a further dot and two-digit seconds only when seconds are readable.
4.23.33
